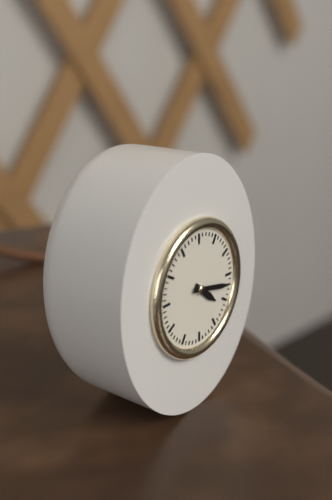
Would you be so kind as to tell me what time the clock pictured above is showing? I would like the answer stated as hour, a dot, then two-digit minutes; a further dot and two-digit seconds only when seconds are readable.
4.17
